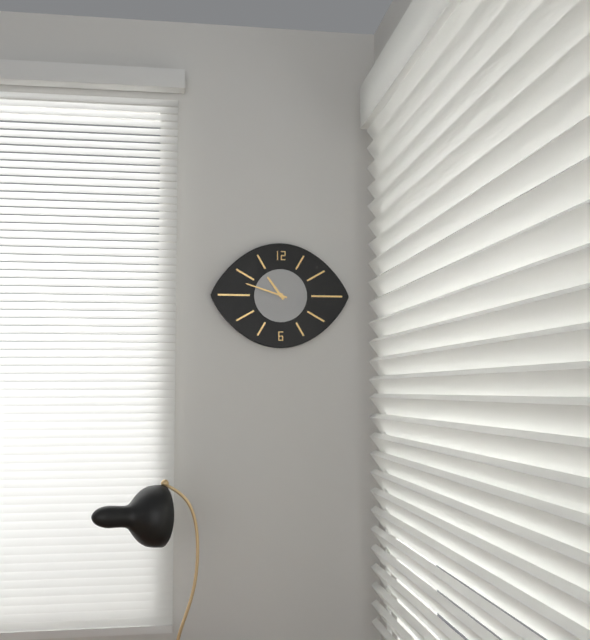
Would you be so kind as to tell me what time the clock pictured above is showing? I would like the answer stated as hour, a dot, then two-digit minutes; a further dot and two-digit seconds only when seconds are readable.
10.48
